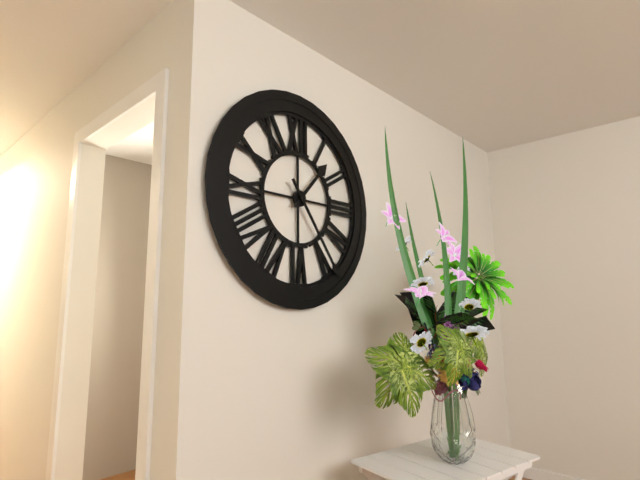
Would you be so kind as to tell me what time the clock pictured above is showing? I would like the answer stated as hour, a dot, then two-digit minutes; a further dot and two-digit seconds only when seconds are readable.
1.24
